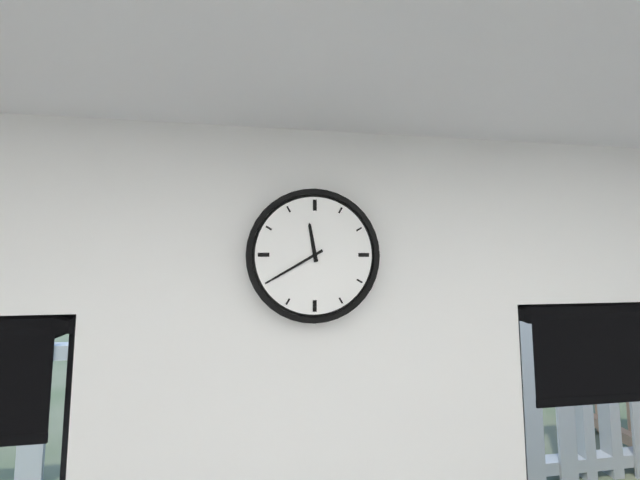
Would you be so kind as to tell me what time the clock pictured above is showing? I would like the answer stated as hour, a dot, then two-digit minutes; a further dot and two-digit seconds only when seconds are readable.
11.40
